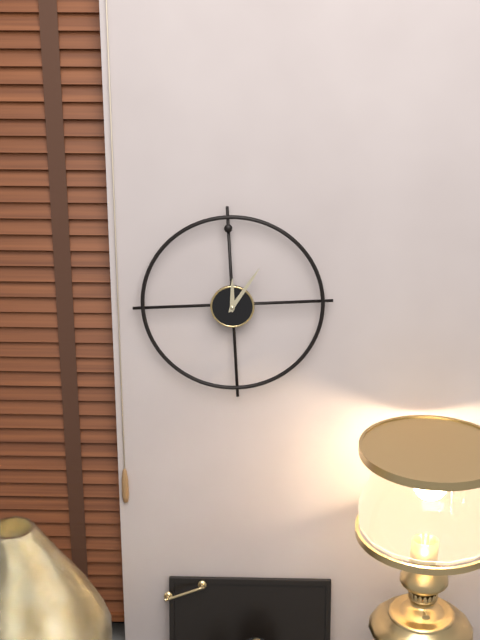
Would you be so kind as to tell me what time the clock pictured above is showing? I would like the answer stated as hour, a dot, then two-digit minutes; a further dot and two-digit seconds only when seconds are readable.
12.06
